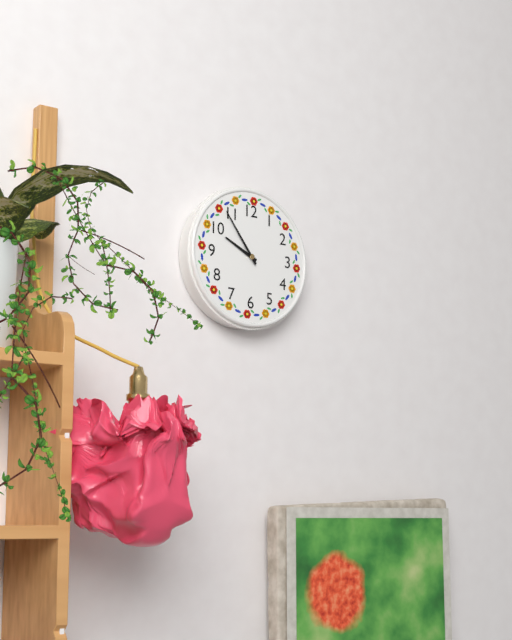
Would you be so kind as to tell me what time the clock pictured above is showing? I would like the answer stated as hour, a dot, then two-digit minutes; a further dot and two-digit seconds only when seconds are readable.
9.54
